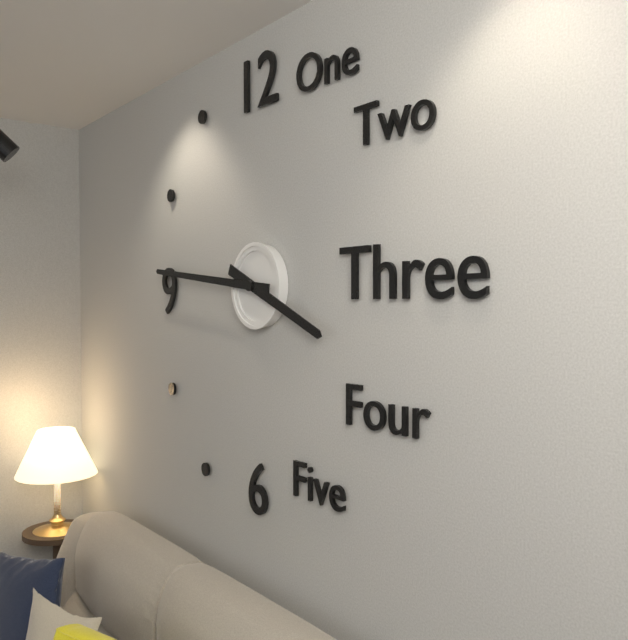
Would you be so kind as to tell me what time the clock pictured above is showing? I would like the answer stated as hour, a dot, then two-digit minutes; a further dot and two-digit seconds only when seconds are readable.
3.46
